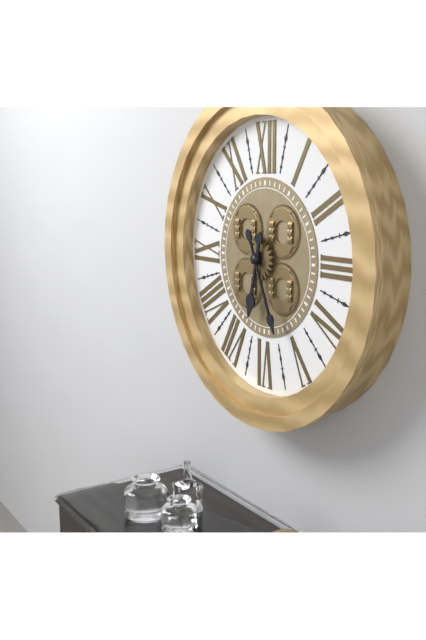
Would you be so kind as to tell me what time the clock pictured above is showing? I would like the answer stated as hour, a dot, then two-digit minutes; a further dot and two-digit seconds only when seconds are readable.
6.26
